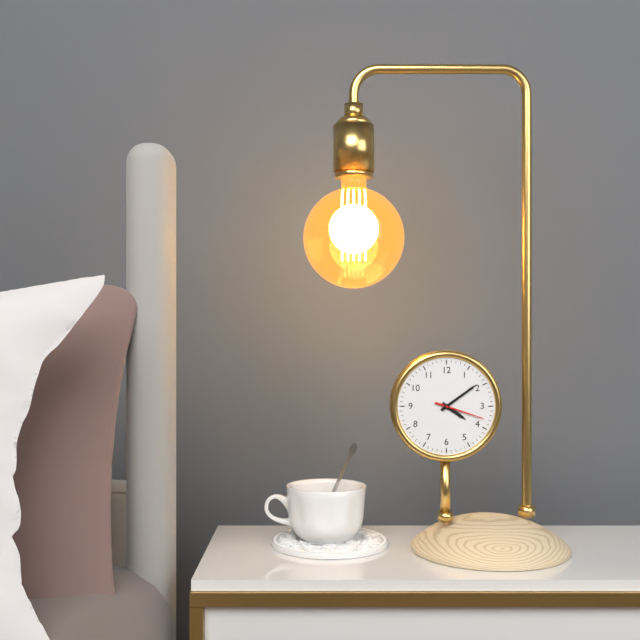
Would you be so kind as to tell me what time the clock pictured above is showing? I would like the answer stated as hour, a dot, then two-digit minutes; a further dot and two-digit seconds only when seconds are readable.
4.09
